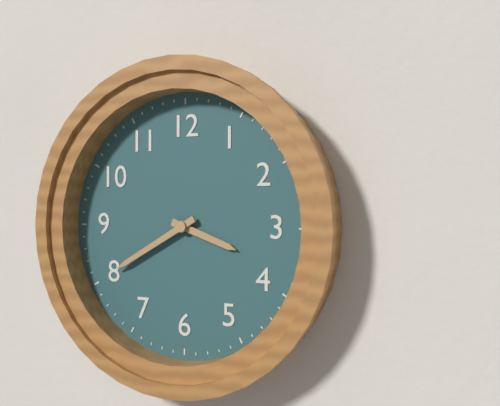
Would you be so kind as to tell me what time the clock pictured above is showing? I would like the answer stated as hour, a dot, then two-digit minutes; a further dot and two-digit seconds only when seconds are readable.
3.40
